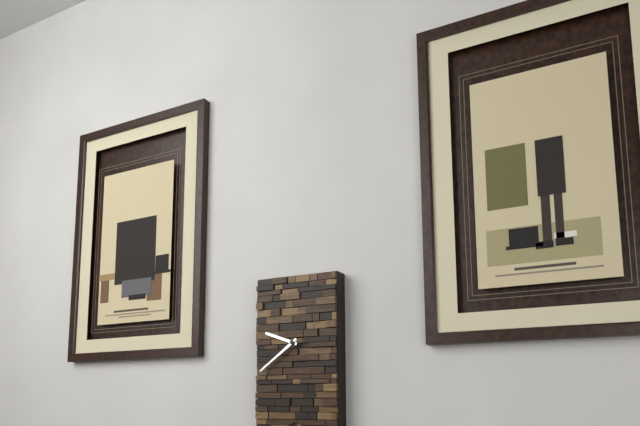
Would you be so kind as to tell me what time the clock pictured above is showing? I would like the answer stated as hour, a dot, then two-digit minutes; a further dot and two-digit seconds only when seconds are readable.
9.39
